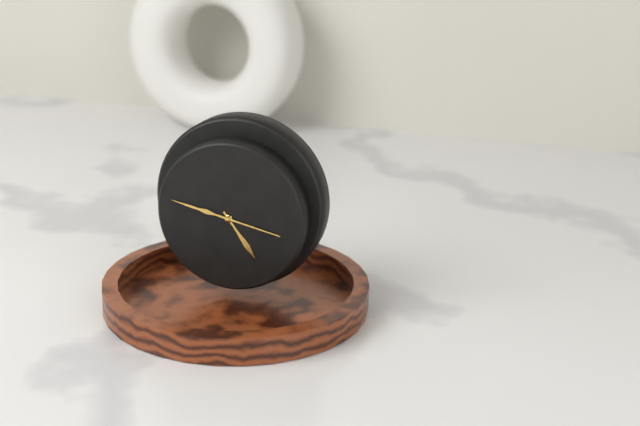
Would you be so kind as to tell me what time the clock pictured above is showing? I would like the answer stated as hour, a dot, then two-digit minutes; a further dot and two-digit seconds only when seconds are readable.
4.47
